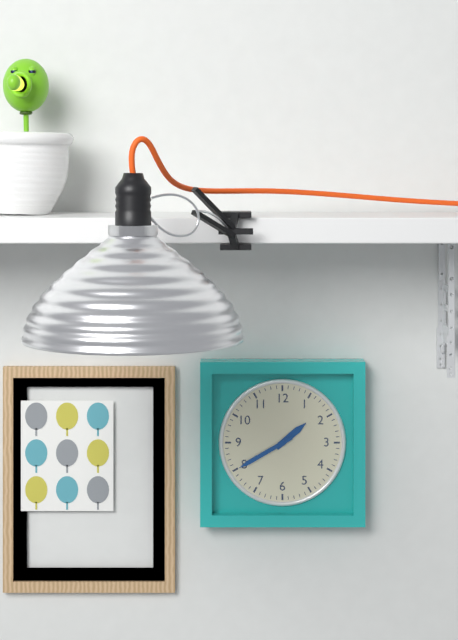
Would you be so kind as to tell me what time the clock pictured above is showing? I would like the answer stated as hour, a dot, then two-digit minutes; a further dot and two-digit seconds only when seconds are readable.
1.40
